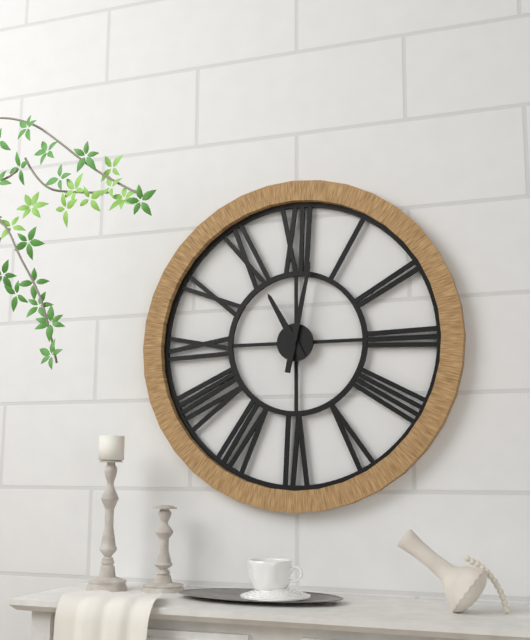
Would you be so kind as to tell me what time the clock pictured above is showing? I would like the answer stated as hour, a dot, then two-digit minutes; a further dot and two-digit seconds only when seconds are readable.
11.02
